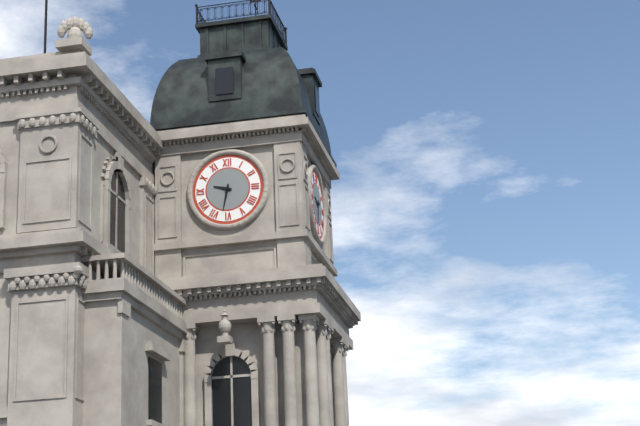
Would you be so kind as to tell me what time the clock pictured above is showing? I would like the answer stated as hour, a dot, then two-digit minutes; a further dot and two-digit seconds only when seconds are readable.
9.32
